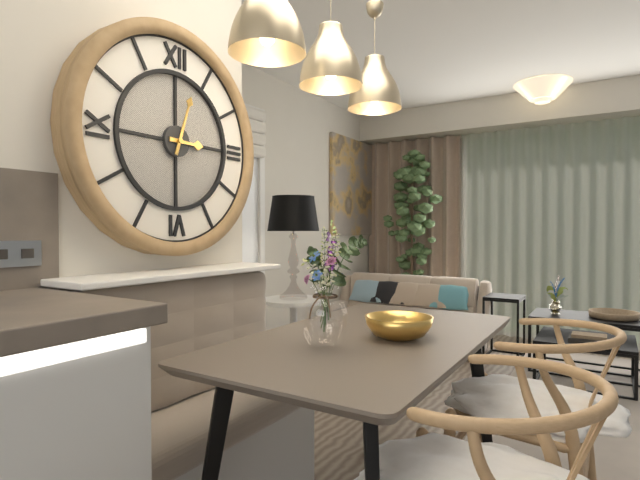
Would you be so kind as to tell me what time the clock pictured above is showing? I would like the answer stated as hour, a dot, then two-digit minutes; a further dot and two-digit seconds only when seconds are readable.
3.03
